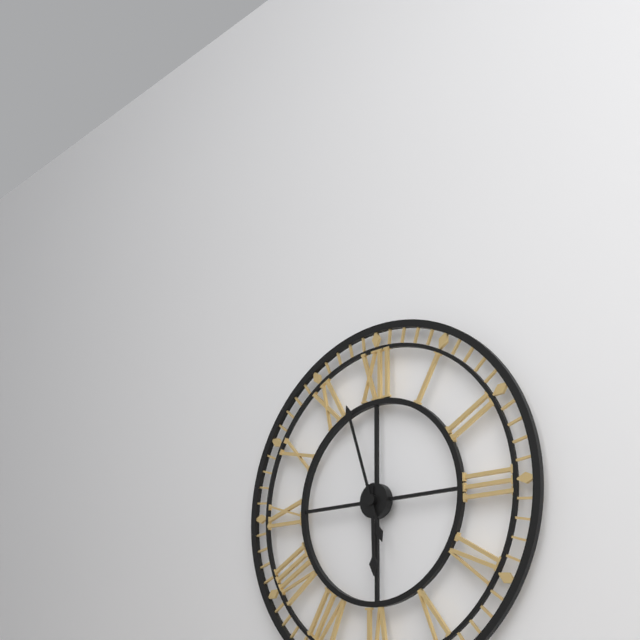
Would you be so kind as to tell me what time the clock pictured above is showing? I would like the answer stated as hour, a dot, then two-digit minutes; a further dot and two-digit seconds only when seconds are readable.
5.57
